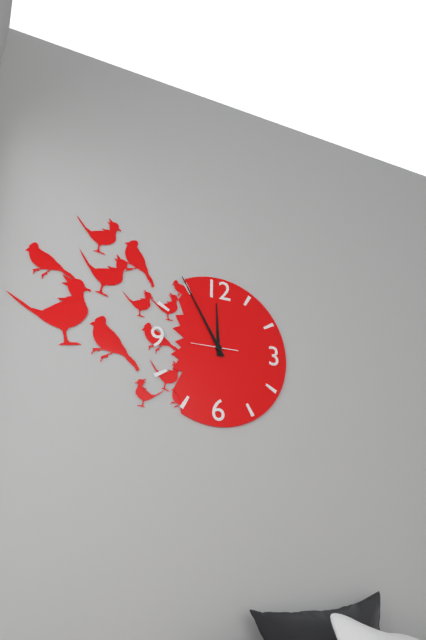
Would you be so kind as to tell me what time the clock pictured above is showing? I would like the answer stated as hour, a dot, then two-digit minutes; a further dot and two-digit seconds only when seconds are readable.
11.55
